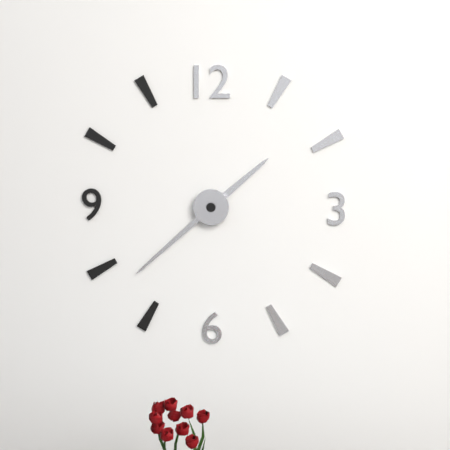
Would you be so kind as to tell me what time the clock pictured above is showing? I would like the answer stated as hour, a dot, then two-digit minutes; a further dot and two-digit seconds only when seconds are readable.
1.38
